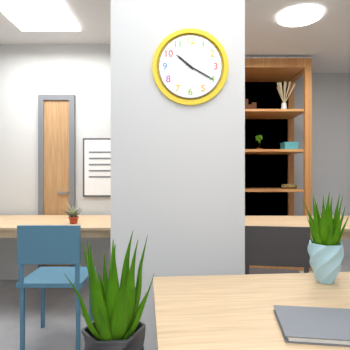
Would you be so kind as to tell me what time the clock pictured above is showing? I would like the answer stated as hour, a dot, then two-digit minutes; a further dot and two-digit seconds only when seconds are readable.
10.20
